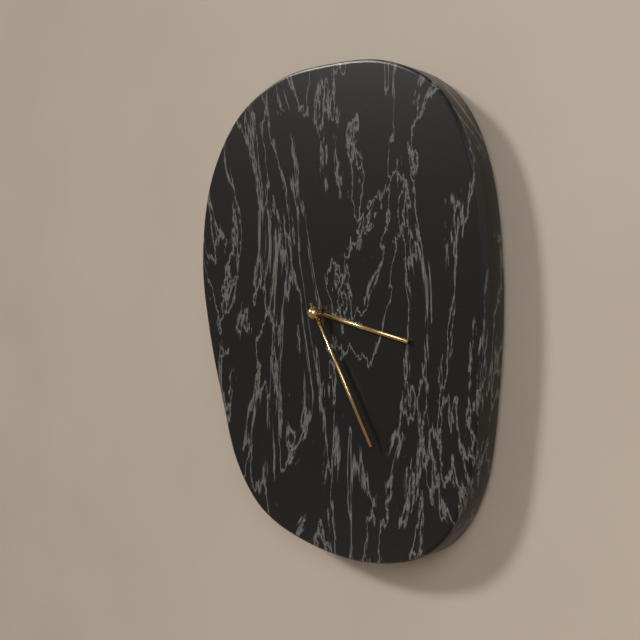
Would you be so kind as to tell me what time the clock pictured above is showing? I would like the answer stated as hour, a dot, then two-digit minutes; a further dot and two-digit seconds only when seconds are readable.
3.25
